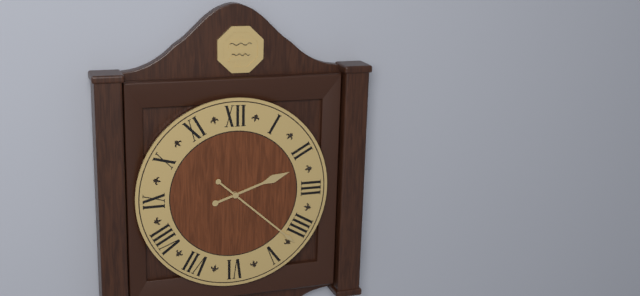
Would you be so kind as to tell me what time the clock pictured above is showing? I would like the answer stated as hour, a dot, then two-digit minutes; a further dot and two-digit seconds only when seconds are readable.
2.22
